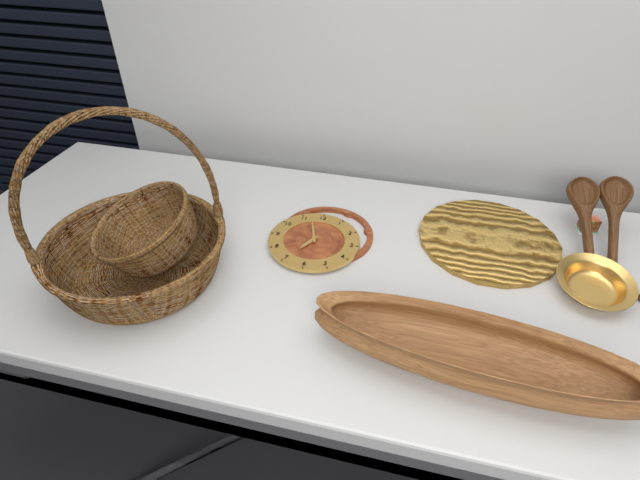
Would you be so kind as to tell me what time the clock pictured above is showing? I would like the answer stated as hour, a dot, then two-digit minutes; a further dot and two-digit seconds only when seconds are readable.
6.57
